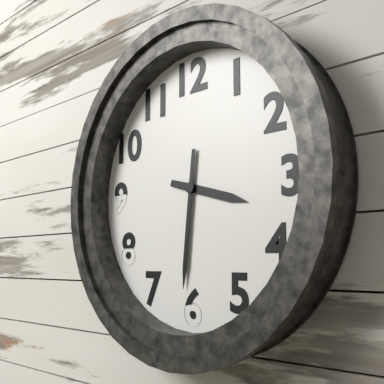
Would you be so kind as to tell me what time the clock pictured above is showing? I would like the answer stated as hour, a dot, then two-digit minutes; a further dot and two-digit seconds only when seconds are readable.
3.31
